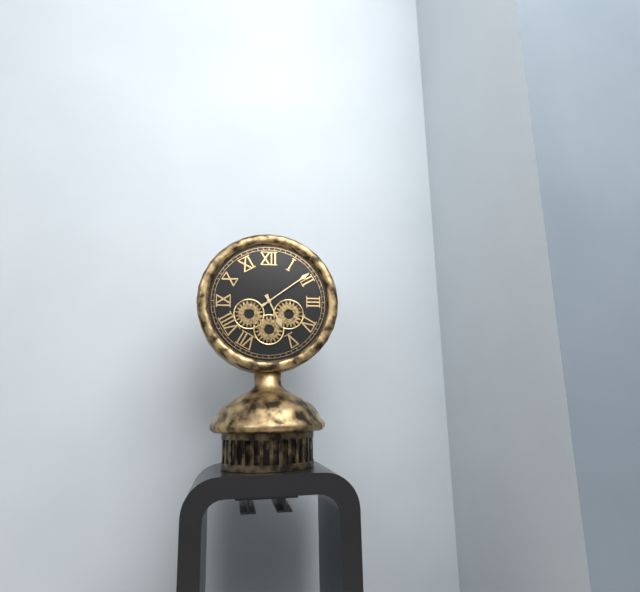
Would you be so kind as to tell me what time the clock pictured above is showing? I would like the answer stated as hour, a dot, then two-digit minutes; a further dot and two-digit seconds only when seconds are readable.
5.09
